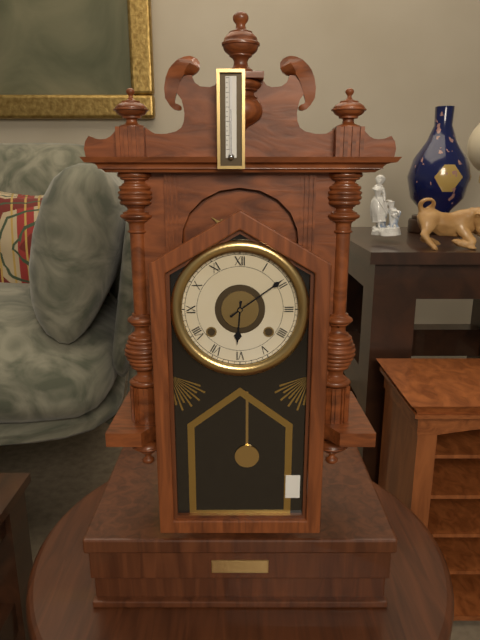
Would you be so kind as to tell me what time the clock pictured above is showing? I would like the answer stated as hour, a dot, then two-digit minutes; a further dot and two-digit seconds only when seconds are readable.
6.09
